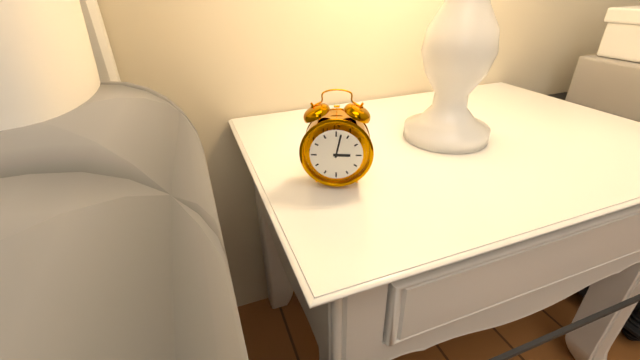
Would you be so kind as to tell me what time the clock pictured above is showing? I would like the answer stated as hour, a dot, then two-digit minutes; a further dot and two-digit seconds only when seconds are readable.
3.02
